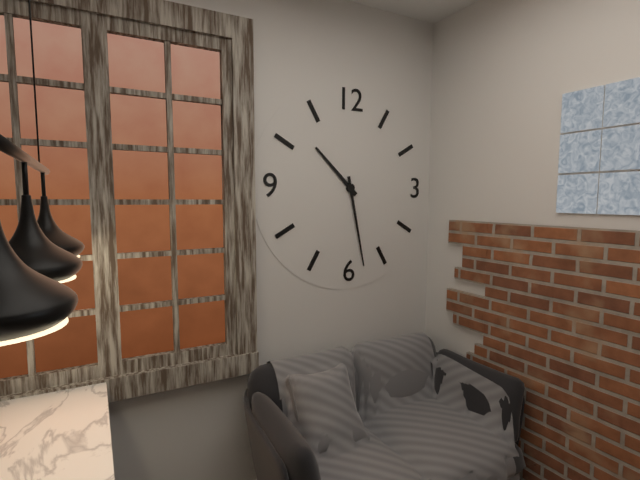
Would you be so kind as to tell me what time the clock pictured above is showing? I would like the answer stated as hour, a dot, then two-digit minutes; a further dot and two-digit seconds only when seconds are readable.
10.28
